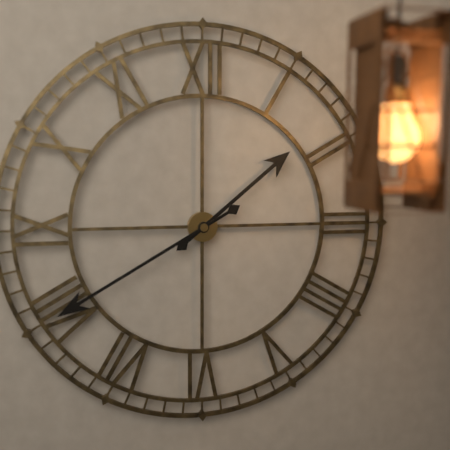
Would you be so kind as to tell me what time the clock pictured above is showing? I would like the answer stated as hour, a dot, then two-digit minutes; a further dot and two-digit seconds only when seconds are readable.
1.40
